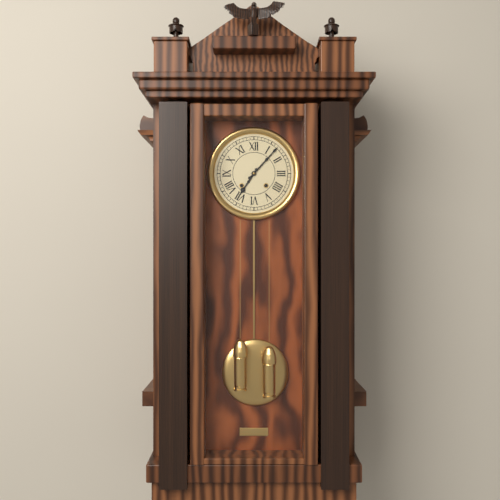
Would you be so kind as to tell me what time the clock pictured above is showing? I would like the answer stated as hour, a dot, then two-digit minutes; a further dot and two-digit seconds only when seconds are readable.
7.07
